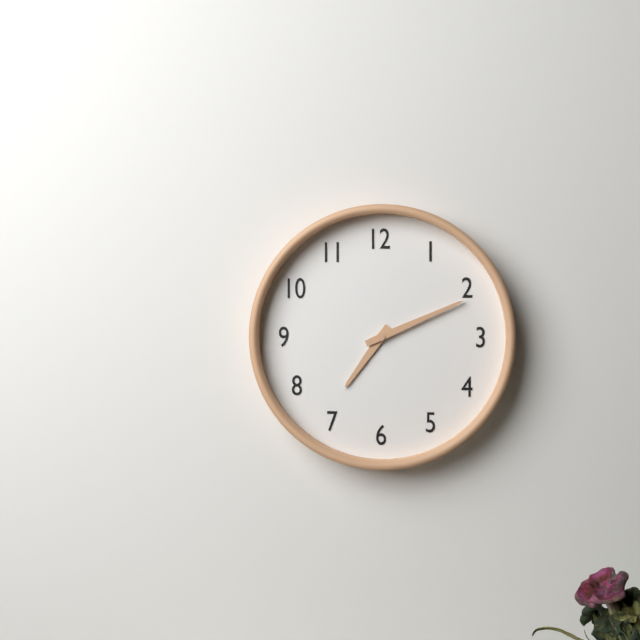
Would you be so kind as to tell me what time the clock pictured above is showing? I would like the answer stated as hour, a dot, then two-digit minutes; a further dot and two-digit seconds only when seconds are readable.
7.11
